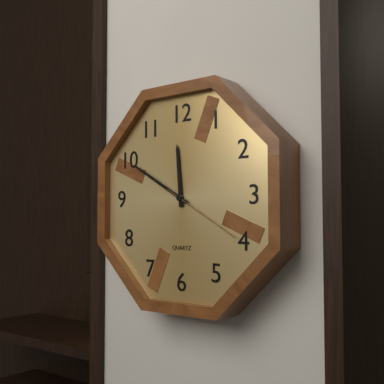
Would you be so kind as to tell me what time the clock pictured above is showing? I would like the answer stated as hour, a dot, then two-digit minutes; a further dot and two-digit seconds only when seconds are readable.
11.50.20
